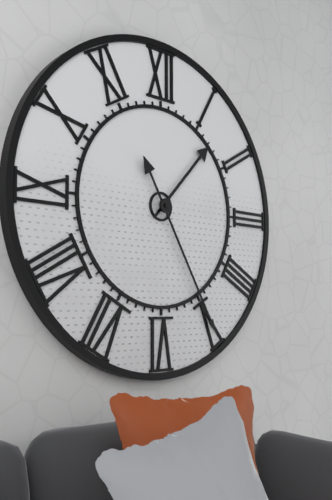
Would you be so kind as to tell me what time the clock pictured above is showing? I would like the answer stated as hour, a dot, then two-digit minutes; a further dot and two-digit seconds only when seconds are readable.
1.25
